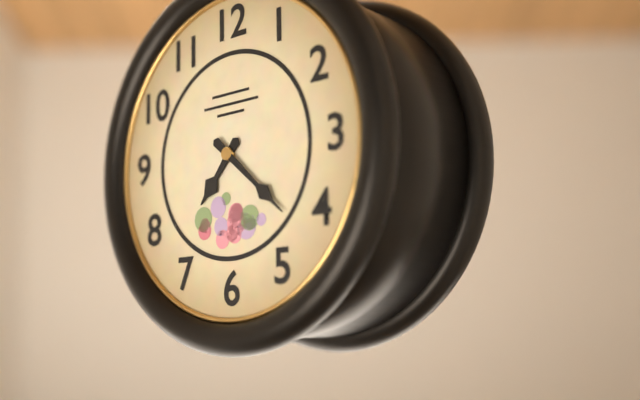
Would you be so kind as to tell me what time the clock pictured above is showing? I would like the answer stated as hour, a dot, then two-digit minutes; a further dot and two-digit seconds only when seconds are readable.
7.22
